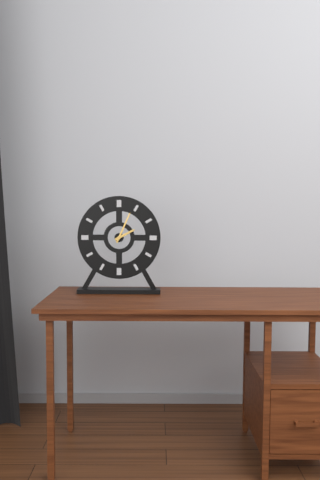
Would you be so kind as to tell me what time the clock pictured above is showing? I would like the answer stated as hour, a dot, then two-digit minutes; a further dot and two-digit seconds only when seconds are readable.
2.04
